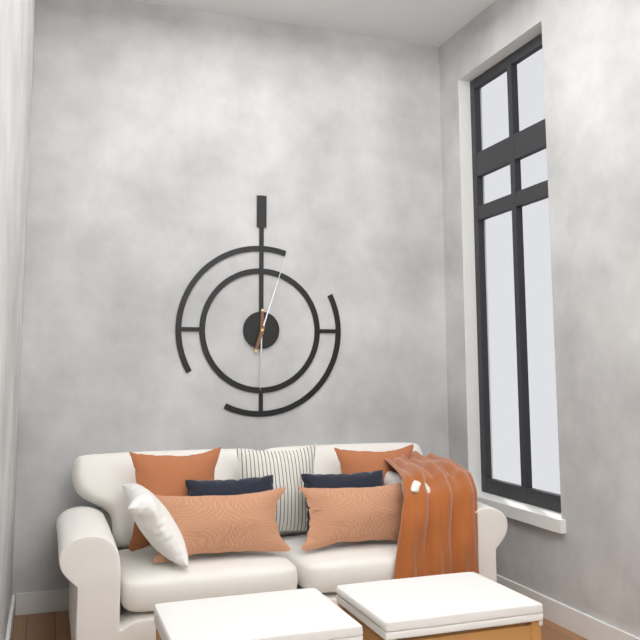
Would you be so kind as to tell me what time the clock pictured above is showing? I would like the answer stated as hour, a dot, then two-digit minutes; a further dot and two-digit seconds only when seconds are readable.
6.03
